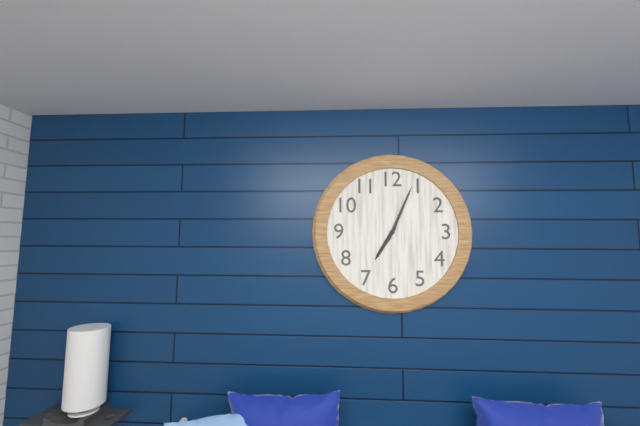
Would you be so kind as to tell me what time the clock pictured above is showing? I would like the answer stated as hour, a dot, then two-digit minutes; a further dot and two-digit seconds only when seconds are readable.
7.04
